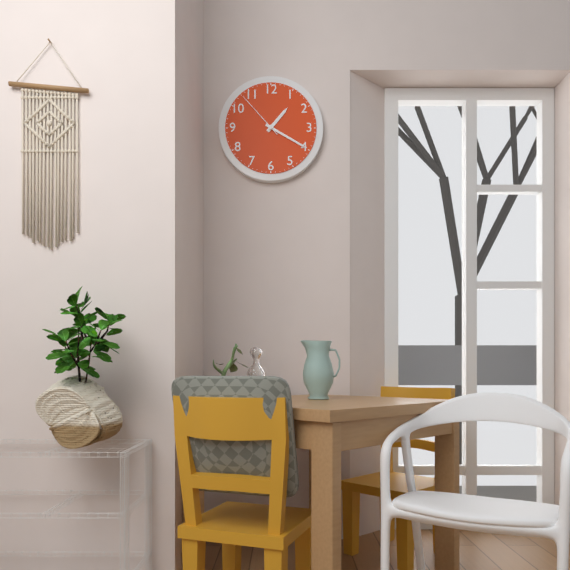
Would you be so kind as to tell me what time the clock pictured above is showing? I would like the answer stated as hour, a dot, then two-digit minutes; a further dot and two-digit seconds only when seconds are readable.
1.20.53
